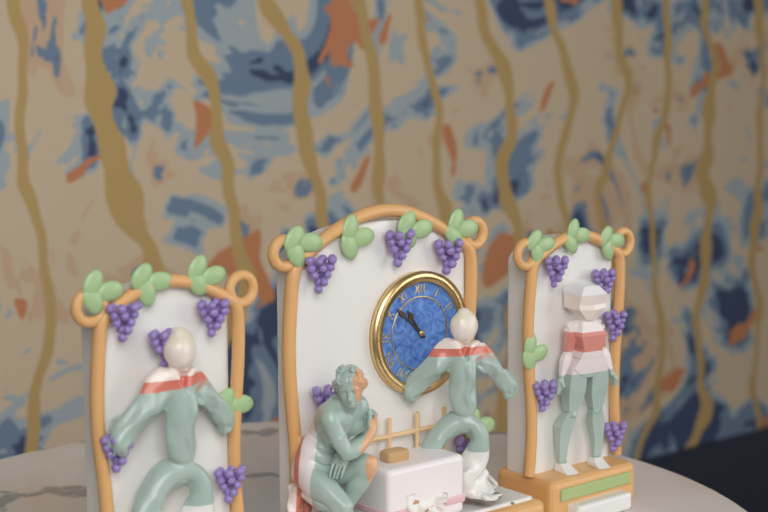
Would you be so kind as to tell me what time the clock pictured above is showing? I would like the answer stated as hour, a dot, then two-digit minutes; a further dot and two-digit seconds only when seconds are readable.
10.52
